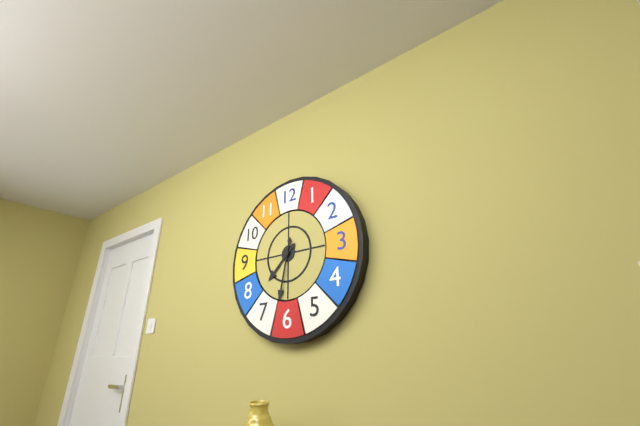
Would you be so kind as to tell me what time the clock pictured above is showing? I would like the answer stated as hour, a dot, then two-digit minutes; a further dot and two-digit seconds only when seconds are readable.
7.32
